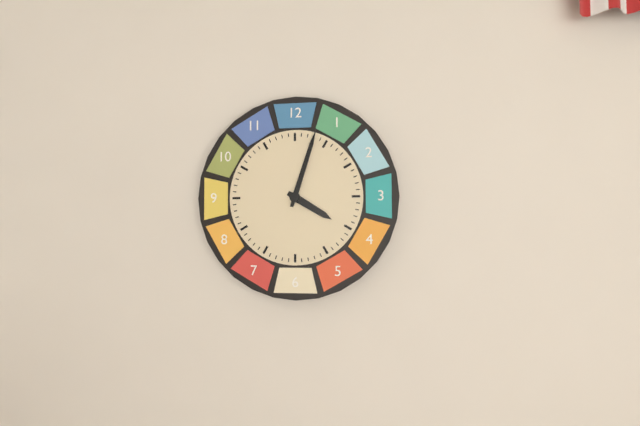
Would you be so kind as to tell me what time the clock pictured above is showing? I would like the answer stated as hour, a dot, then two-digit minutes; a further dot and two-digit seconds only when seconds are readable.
4.03
